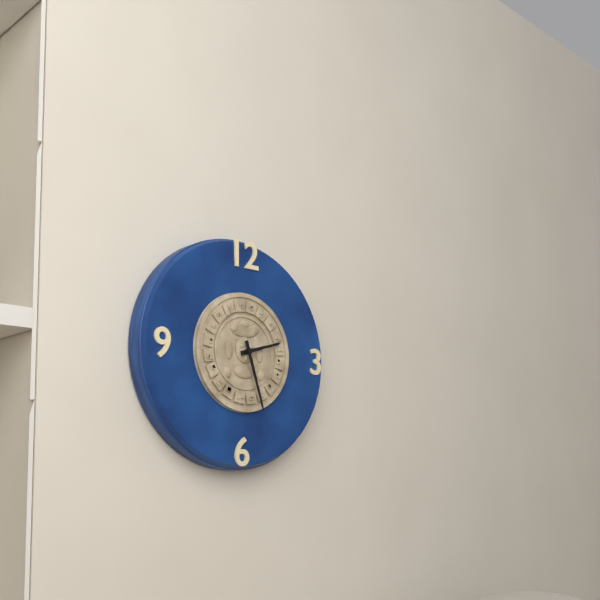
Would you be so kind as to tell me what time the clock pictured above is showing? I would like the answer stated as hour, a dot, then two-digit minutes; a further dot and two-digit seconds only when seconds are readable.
2.27
